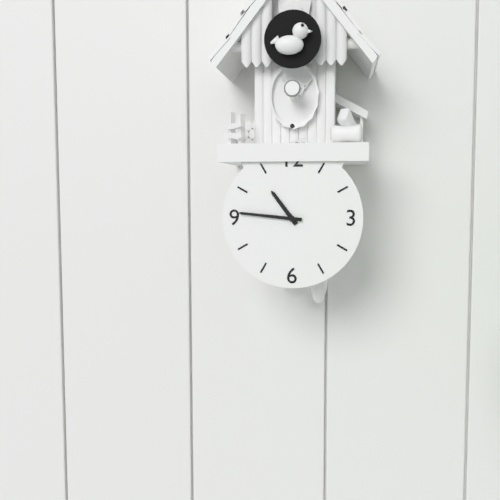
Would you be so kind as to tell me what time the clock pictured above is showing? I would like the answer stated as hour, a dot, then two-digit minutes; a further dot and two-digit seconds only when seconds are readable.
10.46
